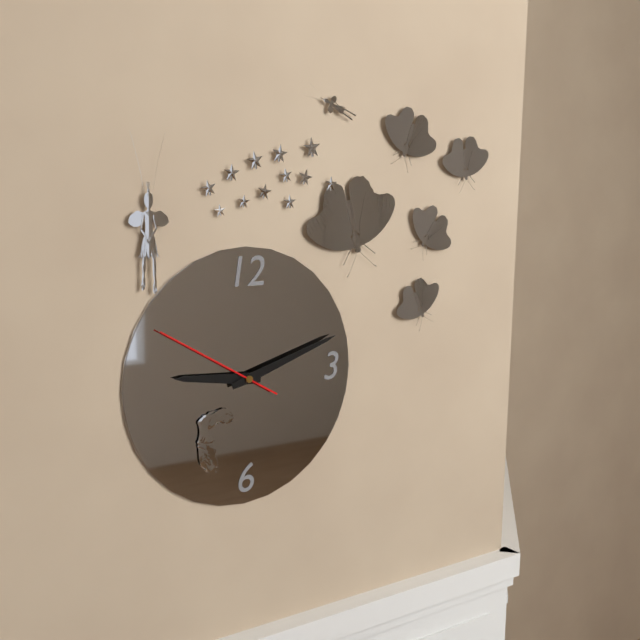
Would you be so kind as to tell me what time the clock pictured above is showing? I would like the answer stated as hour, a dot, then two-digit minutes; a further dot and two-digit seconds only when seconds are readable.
9.12.50
